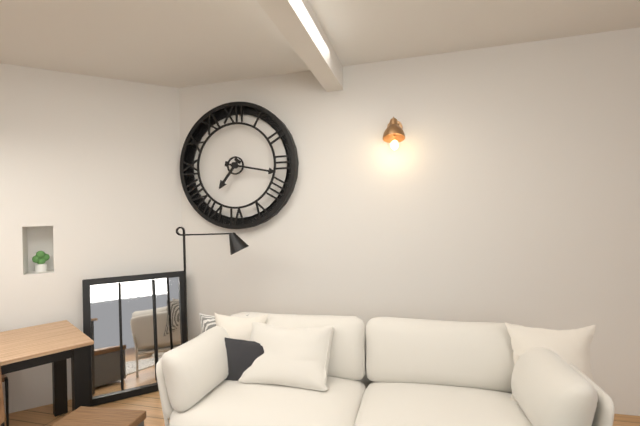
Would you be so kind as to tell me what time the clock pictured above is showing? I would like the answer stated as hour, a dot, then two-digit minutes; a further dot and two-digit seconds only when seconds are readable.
7.17
